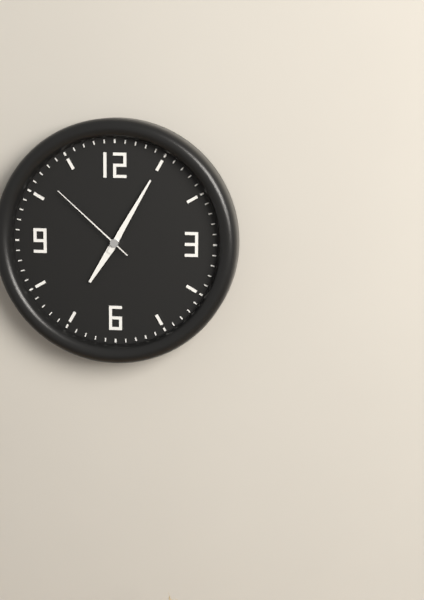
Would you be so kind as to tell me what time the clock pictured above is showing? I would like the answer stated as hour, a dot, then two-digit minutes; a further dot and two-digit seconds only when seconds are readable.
7.05.52
